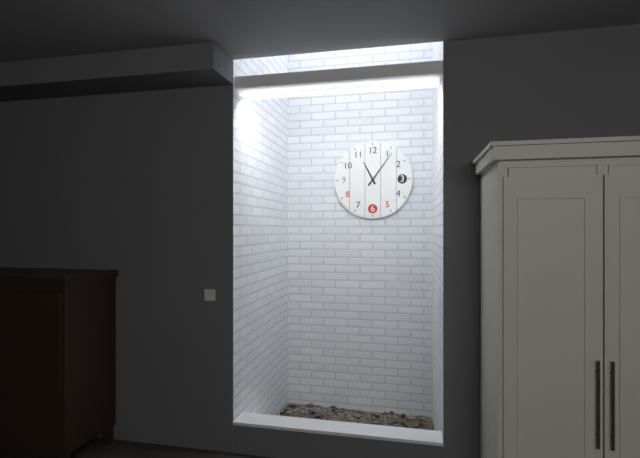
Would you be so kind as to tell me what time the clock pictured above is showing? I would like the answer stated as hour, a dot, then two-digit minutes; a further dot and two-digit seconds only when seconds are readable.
11.06
